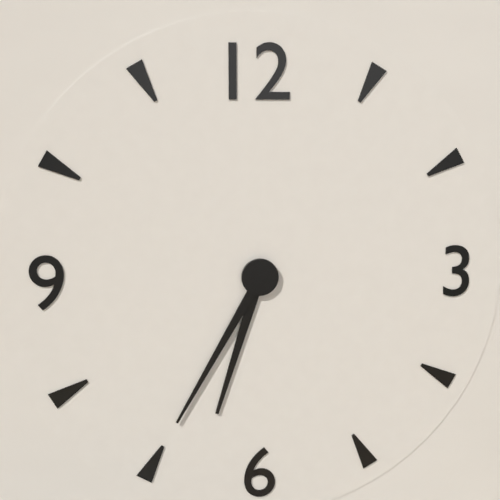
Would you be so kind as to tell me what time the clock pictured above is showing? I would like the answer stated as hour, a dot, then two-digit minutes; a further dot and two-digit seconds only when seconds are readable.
6.35
